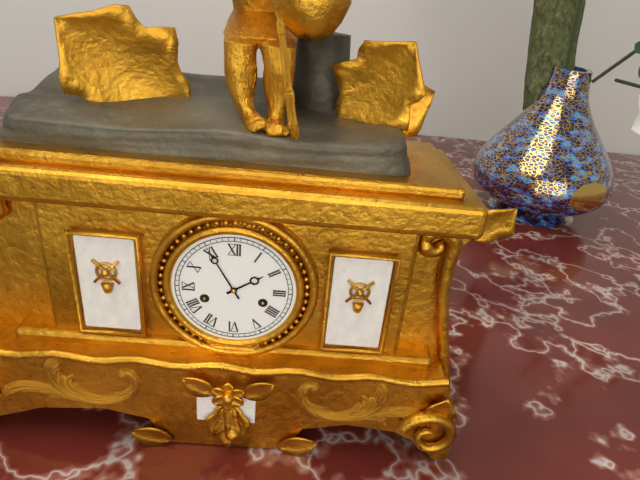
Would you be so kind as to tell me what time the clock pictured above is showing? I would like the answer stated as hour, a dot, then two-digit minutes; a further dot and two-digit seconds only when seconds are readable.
1.55
